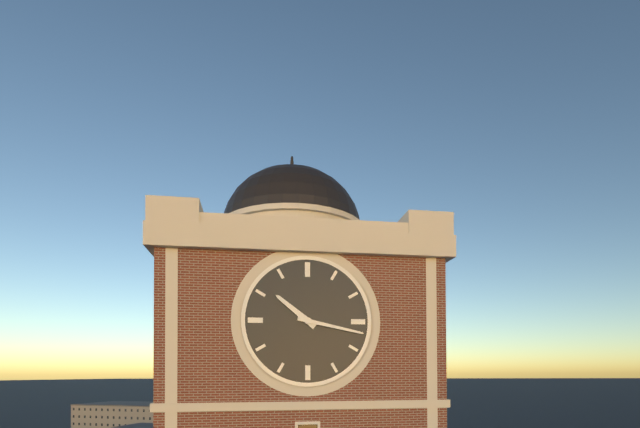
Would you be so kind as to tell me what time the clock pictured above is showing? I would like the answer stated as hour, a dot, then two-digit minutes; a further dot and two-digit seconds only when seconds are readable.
10.17
